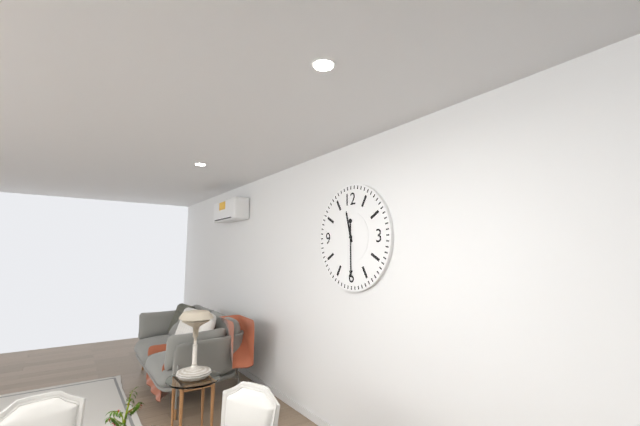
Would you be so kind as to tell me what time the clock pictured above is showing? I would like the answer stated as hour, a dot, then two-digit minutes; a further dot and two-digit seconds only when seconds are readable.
11.30
